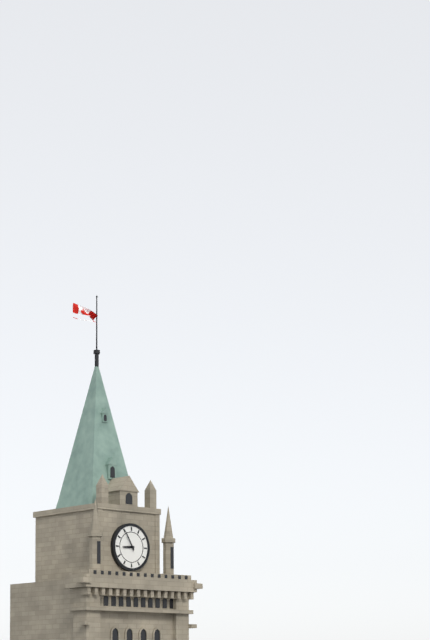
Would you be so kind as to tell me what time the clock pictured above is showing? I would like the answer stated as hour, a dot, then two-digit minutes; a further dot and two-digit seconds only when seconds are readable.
8.55
